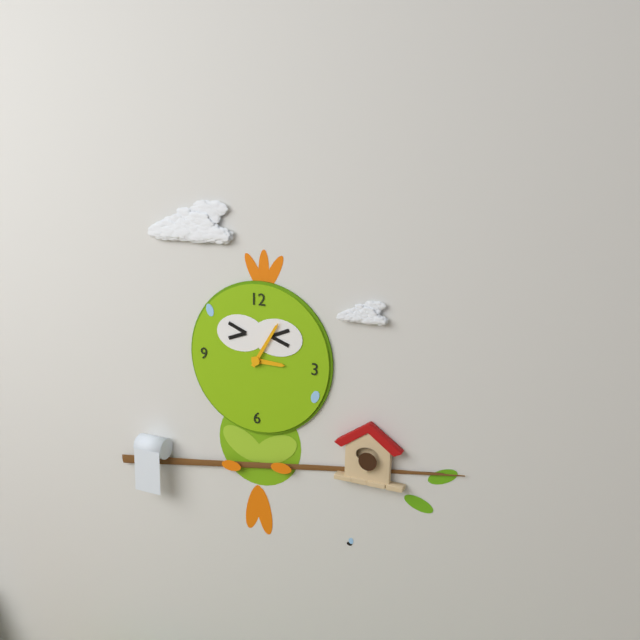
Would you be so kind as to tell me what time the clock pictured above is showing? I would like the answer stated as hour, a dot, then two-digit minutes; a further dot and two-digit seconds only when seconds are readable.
3.05
